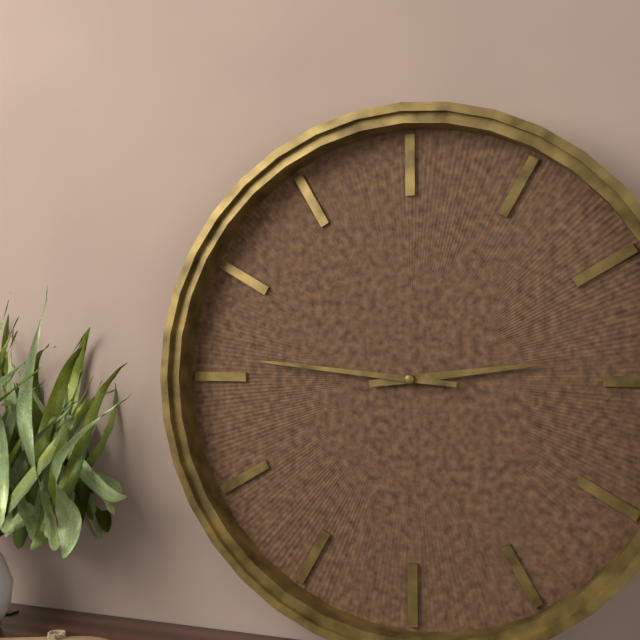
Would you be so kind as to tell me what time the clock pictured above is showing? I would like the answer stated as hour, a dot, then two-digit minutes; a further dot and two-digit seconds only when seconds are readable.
2.46
